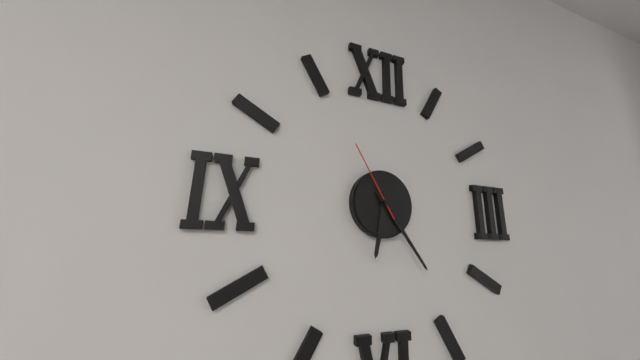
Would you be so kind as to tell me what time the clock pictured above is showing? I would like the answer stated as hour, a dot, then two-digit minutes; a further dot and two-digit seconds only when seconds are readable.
6.24.55
